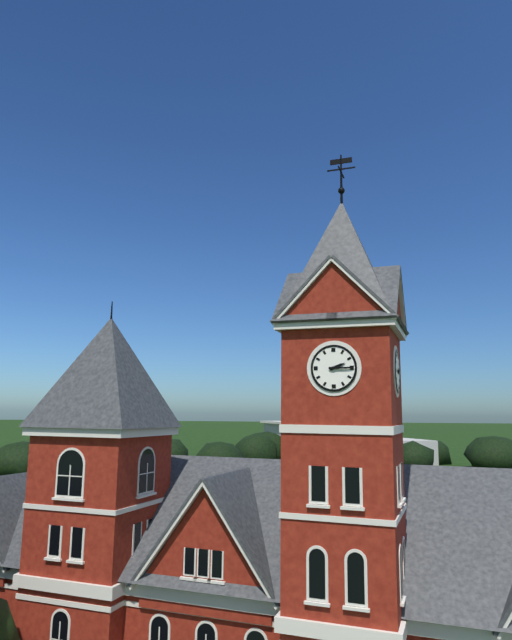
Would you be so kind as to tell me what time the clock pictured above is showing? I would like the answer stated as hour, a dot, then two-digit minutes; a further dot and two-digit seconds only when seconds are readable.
2.15
